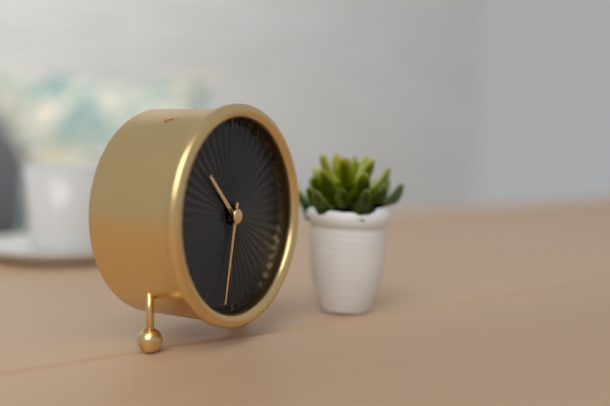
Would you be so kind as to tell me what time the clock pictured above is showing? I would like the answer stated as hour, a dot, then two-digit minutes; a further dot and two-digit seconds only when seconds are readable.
10.32
